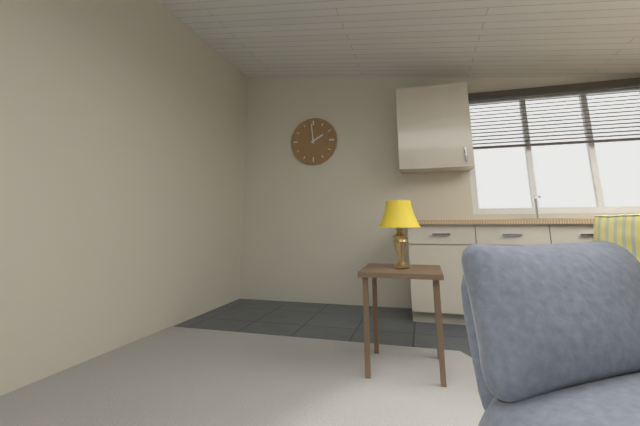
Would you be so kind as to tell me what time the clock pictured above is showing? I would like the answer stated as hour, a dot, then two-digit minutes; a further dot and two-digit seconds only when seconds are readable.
1.59
